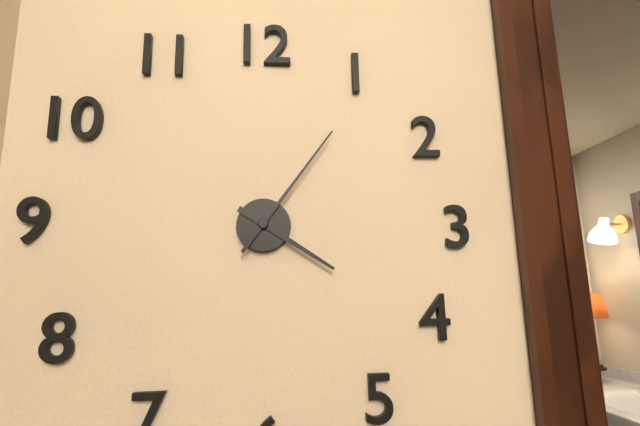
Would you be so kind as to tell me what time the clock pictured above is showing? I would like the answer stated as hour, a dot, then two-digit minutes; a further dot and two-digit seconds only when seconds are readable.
4.06
